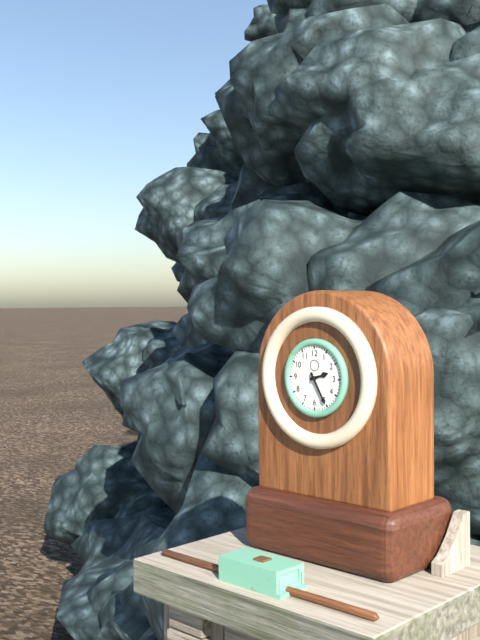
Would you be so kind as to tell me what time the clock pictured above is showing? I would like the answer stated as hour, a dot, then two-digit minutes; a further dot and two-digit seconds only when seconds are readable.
2.25
